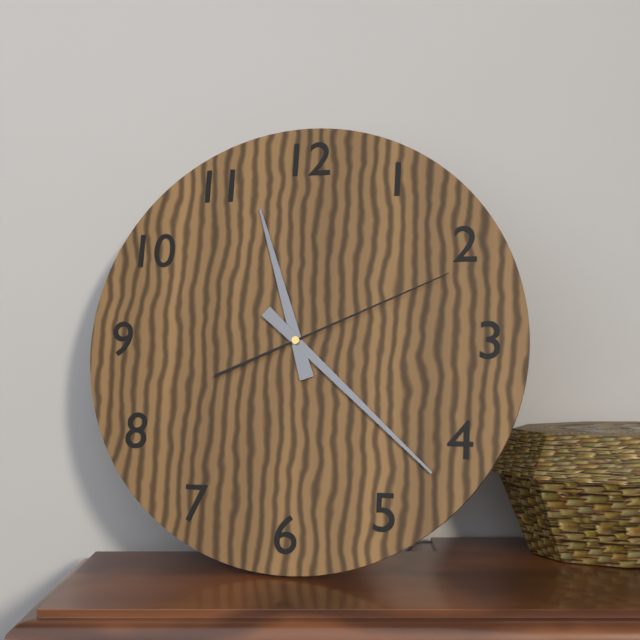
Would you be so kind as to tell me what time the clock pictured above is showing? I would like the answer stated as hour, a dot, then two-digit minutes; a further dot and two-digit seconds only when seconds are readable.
11.22.11
